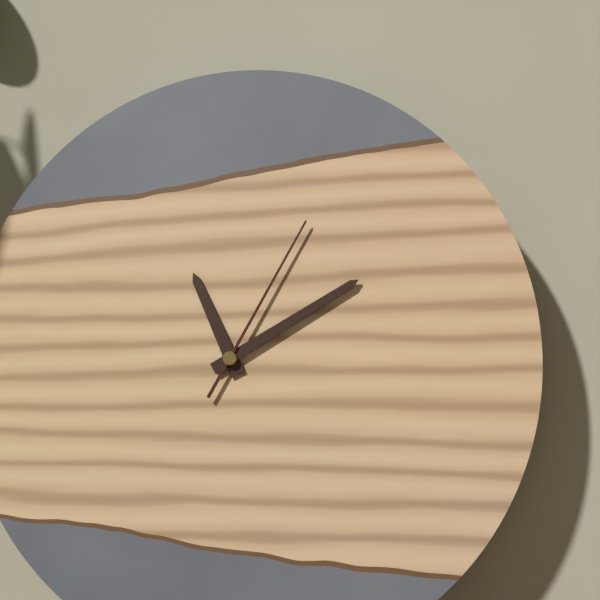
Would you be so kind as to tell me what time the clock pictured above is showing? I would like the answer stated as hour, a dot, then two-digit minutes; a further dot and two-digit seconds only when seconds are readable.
11.10.05
